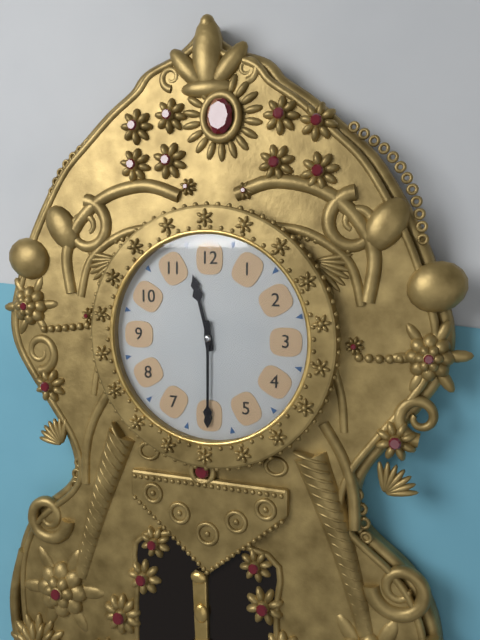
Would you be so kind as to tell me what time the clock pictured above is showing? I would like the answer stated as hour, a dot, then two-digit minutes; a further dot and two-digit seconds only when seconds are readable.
11.30
